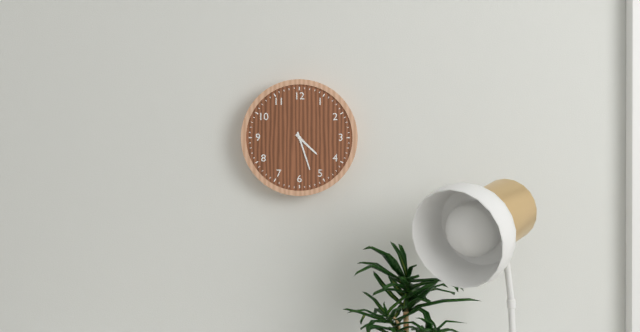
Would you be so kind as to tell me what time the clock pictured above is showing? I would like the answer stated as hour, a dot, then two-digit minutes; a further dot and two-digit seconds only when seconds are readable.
4.27
